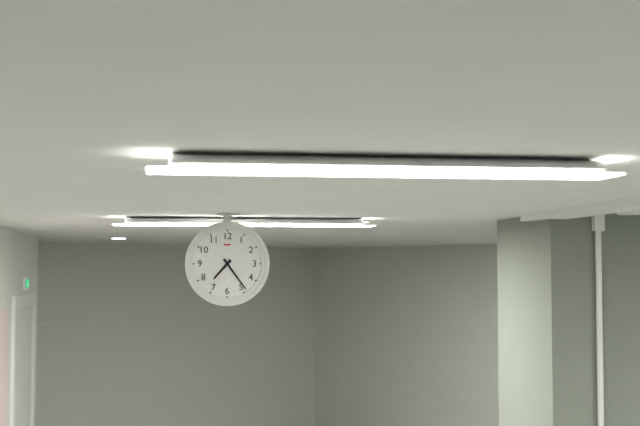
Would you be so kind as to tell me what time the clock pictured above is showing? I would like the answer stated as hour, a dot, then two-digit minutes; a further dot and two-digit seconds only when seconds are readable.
7.24
